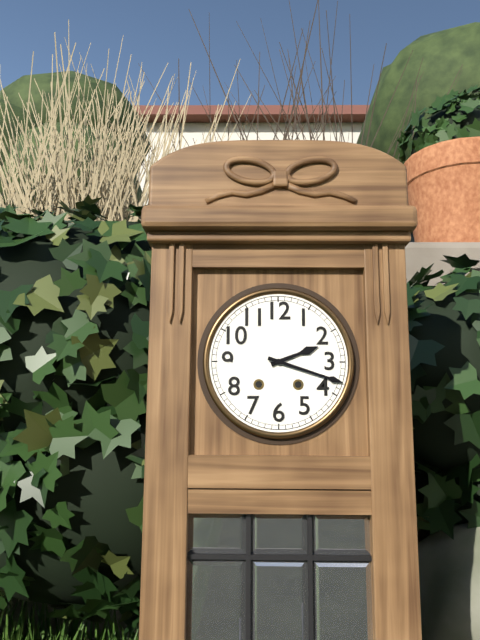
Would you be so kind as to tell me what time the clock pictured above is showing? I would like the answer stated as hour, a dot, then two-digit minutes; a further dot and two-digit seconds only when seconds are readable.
2.18
